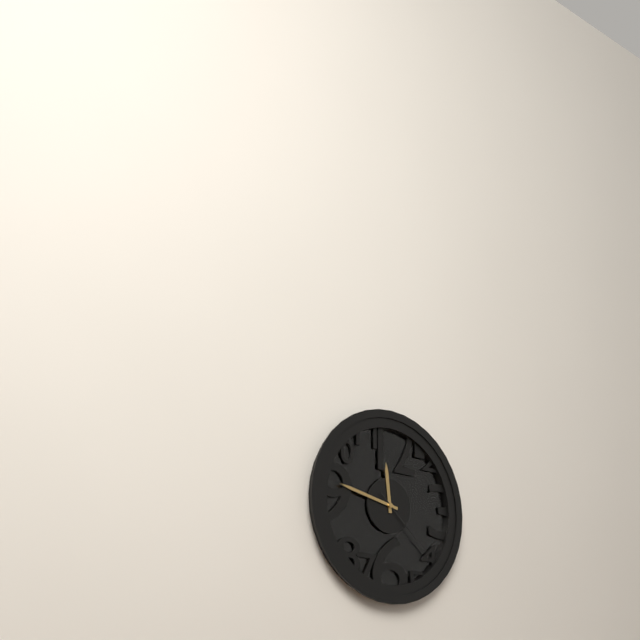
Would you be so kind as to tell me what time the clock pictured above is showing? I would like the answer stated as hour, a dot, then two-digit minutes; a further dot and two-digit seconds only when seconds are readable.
11.47.22
